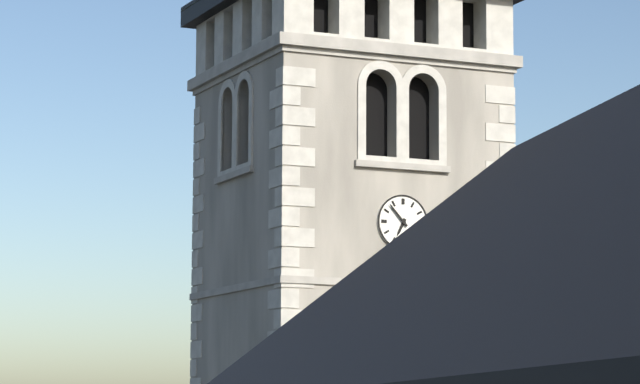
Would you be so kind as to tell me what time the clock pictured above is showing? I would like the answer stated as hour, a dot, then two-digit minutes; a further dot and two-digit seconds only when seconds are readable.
6.53
